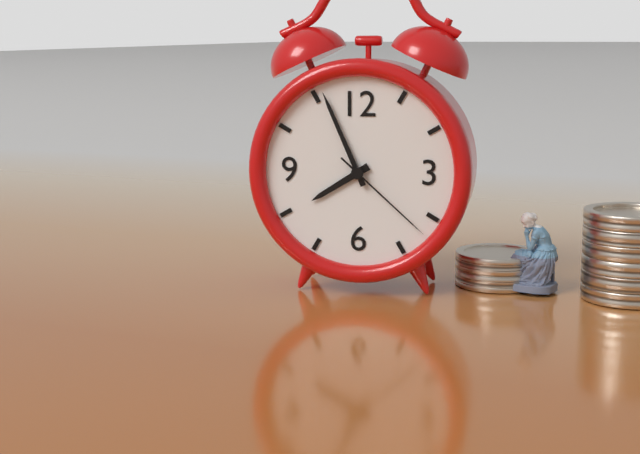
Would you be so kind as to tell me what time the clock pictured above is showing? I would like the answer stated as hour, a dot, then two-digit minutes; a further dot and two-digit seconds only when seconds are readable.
7.56.22
